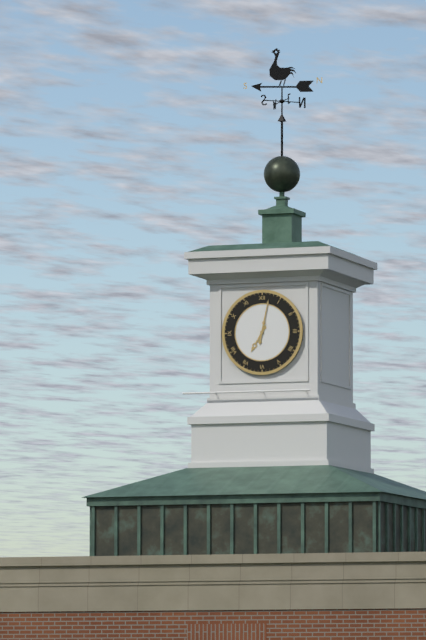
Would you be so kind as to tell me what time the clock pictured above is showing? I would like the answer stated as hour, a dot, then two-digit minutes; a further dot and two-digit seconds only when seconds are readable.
7.02
